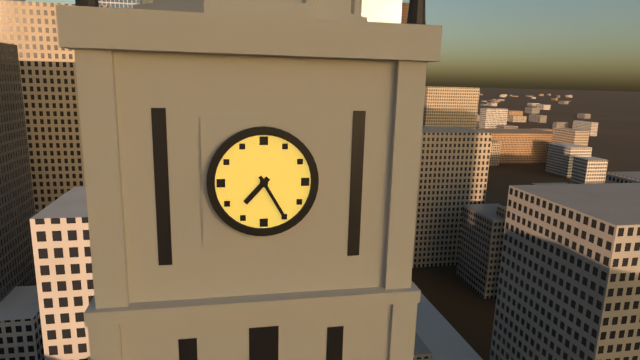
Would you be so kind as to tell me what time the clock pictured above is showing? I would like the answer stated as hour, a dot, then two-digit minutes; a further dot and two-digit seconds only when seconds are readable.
7.25
